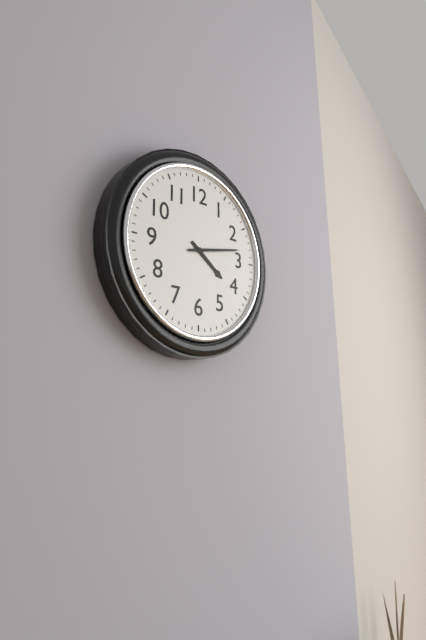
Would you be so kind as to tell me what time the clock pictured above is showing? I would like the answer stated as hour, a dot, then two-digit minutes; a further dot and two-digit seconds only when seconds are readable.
4.13
